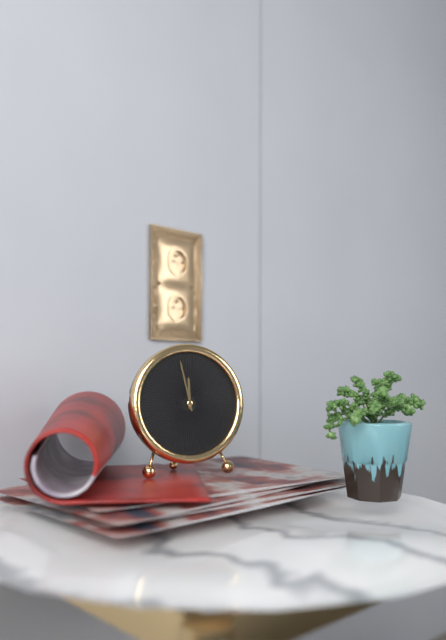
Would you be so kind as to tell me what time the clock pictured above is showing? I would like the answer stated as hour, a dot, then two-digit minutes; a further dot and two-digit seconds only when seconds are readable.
11.58
